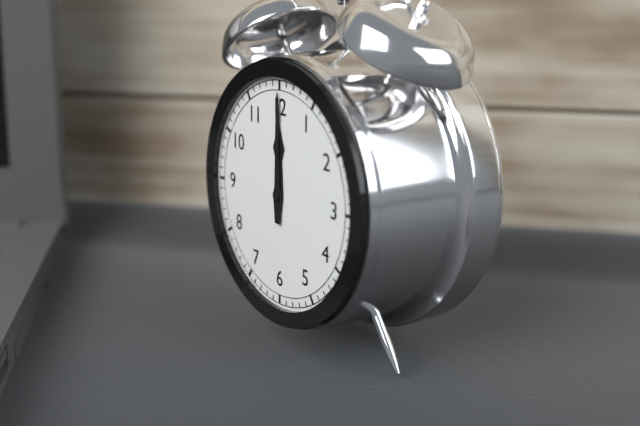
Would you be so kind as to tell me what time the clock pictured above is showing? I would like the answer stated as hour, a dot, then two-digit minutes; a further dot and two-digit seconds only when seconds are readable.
12.00
